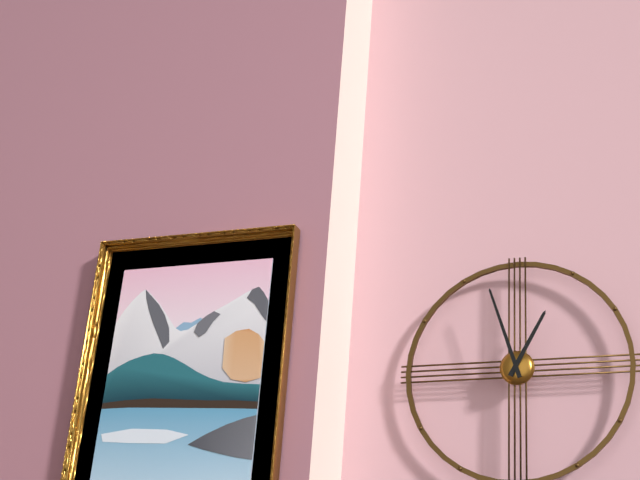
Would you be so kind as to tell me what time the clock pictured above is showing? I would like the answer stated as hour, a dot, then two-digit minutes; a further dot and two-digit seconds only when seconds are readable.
12.57
